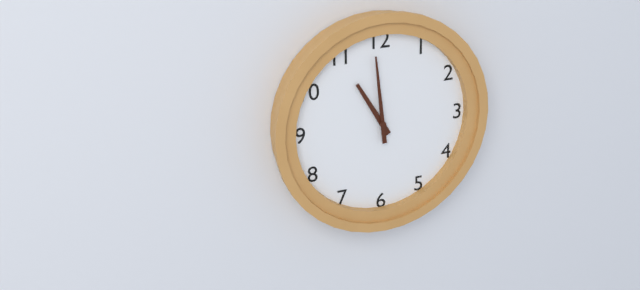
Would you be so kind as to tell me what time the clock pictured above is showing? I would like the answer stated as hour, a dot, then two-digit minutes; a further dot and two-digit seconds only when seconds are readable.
10.59
